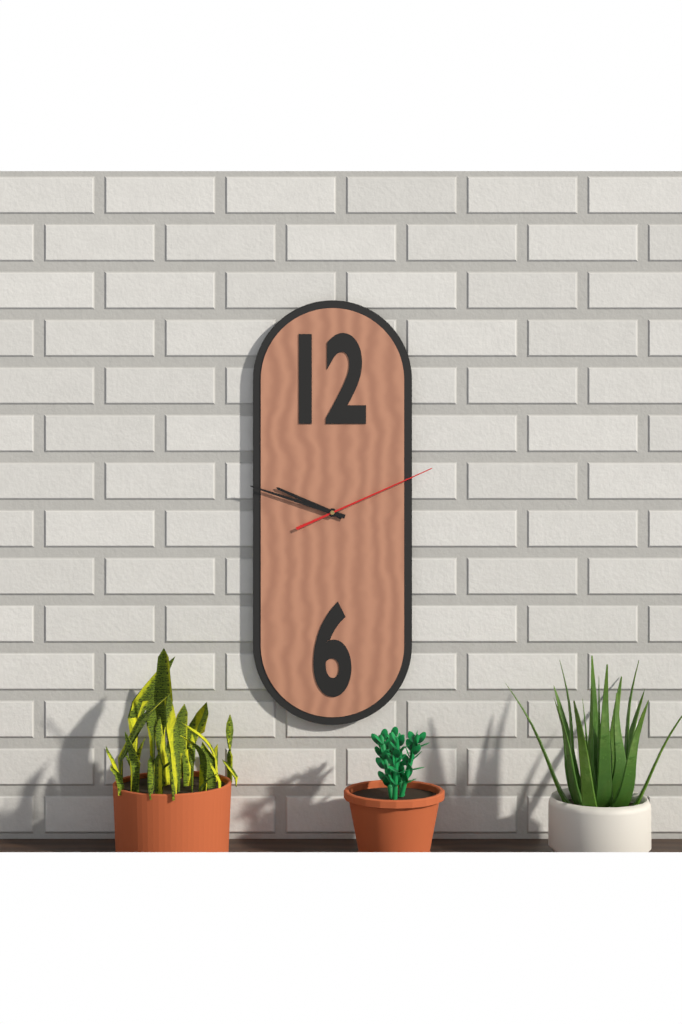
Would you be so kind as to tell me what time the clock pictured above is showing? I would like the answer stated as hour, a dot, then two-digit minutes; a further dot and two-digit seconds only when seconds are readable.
9.48.11
